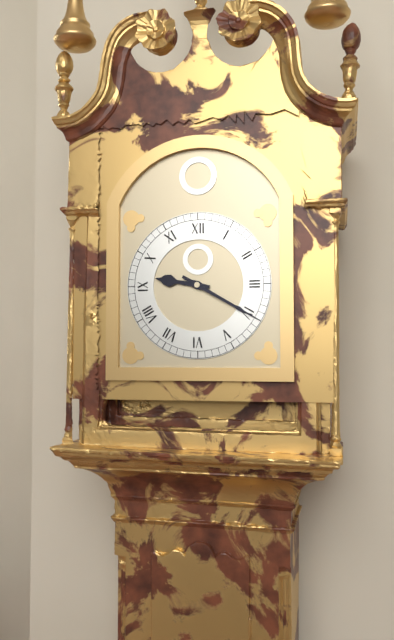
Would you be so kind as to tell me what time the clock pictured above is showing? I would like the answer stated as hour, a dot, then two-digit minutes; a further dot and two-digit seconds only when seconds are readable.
9.20
